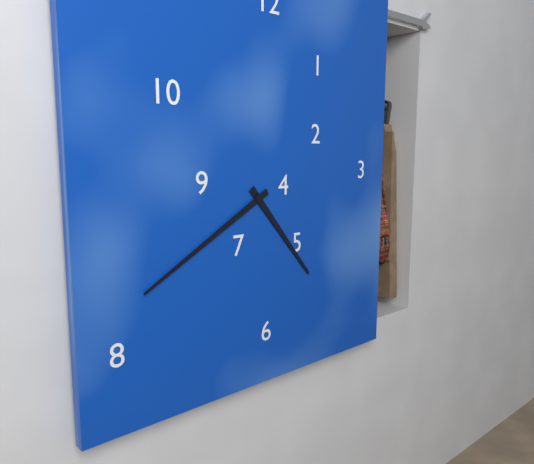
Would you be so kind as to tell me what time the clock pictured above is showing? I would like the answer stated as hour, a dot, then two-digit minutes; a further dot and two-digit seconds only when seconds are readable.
4.40
